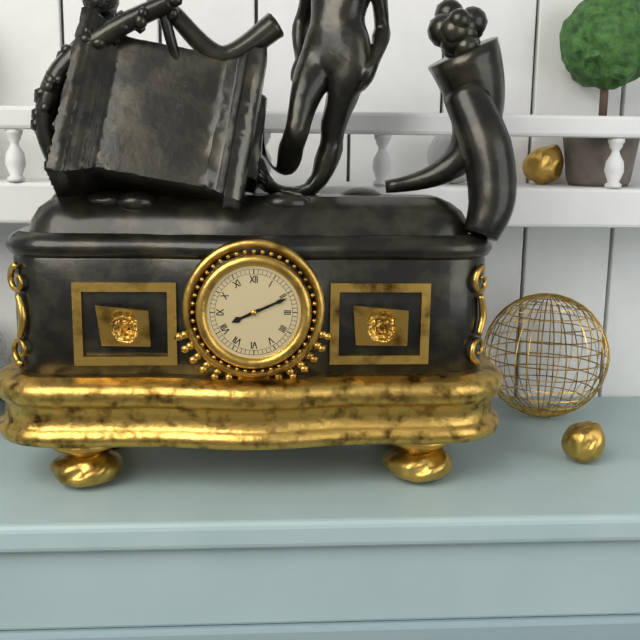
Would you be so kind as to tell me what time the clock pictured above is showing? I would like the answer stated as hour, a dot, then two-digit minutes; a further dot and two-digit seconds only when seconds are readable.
8.11
